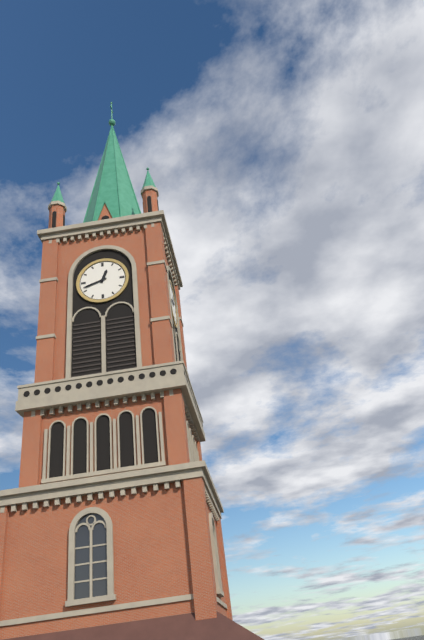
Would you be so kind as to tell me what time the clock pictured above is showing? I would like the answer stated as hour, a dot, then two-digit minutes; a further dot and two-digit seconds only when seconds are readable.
12.42
